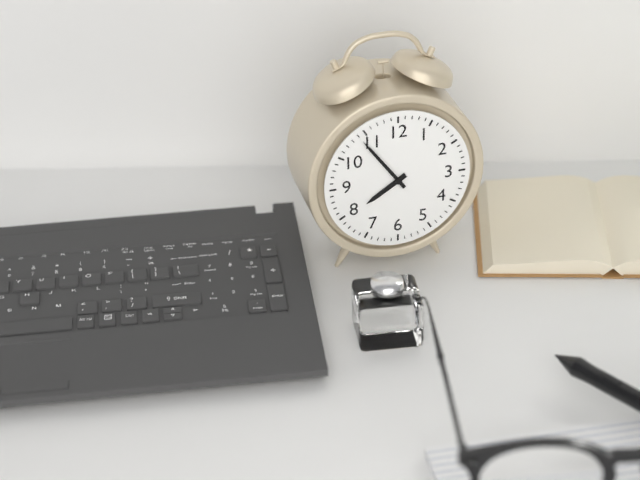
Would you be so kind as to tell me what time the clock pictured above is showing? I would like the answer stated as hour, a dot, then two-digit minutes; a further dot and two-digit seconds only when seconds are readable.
7.54
